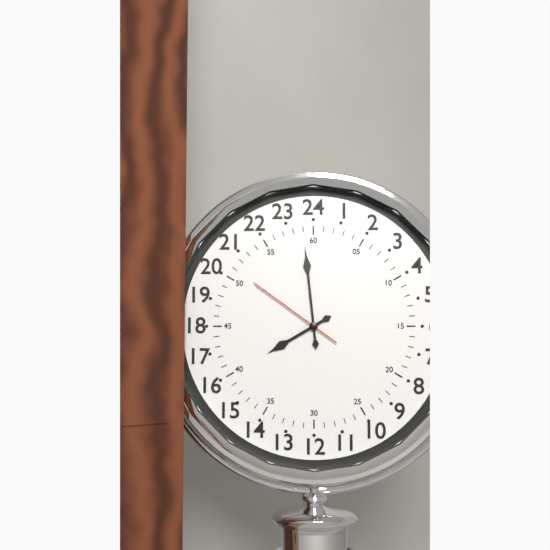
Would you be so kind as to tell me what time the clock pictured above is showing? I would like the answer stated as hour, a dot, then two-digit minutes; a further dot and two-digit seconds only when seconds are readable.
7.59.51
